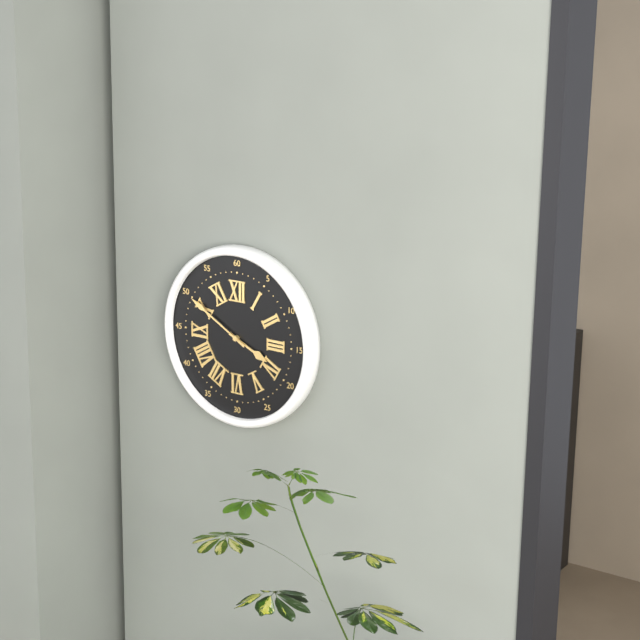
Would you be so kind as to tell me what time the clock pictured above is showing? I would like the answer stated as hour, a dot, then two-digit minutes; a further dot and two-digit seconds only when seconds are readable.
3.50
